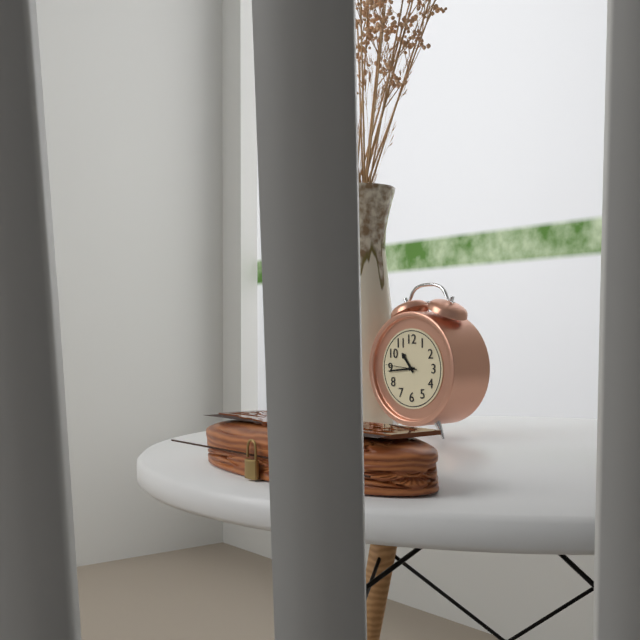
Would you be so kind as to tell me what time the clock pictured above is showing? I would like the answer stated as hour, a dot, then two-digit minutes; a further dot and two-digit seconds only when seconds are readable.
10.44
